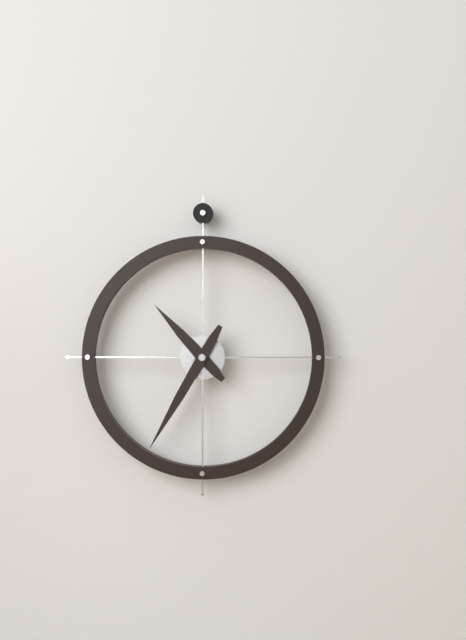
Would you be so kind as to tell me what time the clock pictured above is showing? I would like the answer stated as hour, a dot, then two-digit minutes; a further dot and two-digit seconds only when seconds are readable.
10.35
